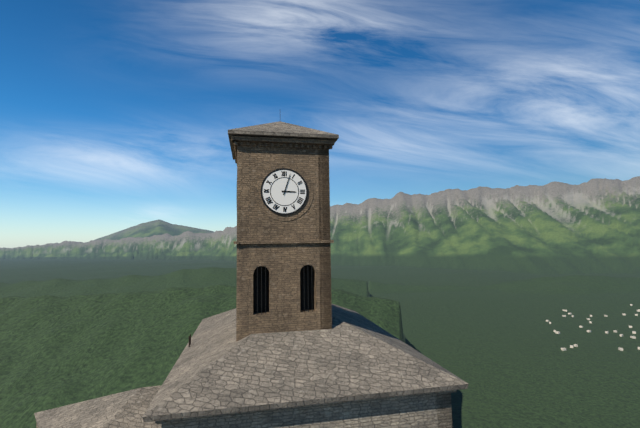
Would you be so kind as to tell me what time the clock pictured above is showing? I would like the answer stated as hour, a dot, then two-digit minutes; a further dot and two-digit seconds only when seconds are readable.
3.03
